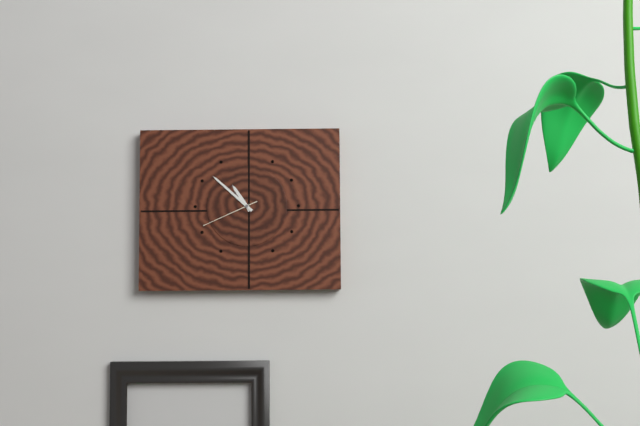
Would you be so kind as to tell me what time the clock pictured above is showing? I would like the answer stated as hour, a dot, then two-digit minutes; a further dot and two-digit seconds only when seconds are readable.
10.52.41
